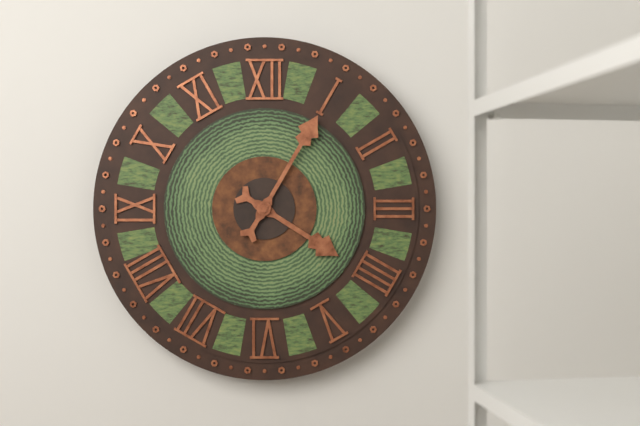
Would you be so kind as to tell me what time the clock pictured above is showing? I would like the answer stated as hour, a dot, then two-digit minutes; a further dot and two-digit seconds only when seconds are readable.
4.05
